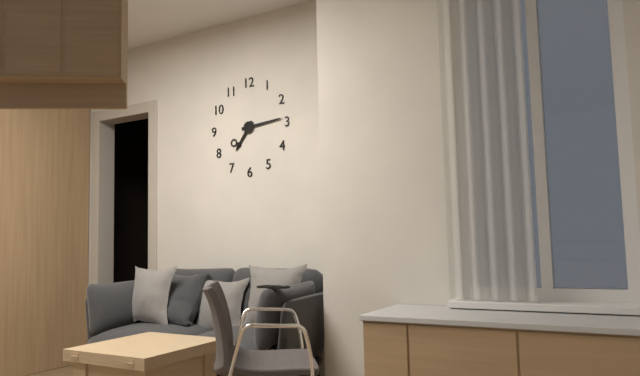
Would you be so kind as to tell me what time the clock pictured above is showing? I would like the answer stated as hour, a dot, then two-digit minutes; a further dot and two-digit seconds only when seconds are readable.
7.14
